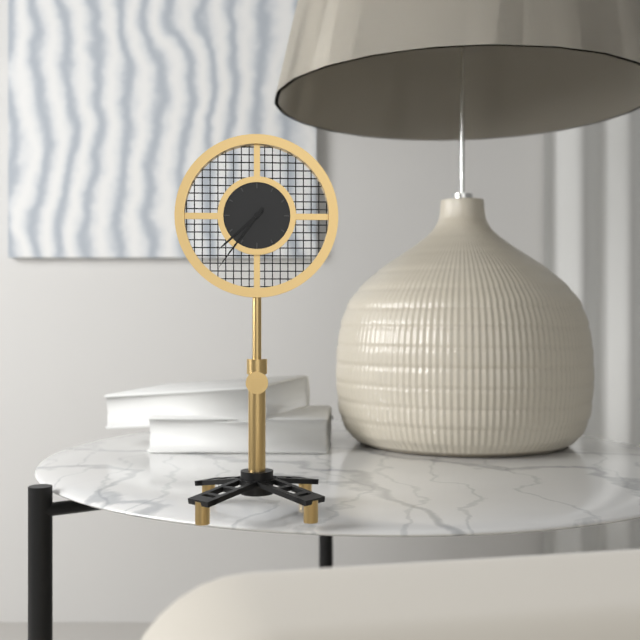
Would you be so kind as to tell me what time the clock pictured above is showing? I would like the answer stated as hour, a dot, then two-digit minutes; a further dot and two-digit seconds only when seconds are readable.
7.36
